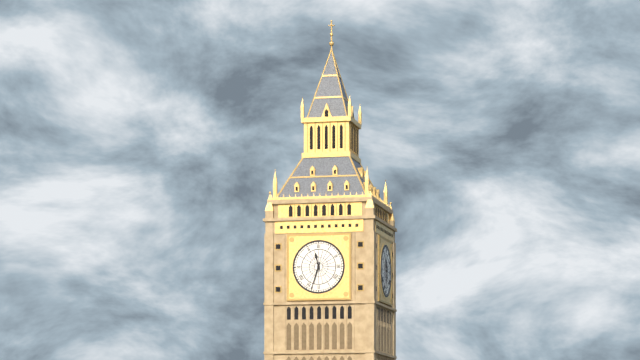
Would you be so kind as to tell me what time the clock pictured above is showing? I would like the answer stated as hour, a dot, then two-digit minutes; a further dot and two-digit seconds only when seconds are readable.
11.33
